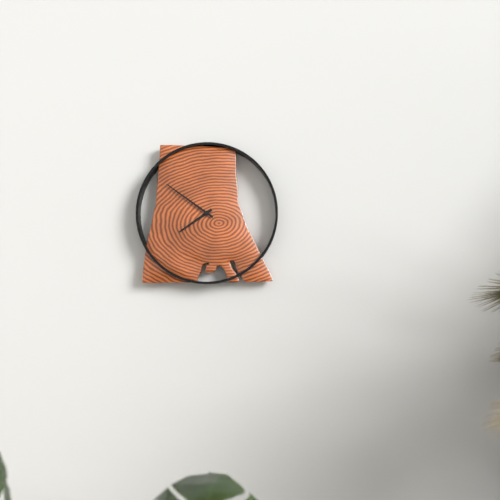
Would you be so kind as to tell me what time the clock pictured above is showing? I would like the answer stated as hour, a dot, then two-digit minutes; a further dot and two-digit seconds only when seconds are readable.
7.51
